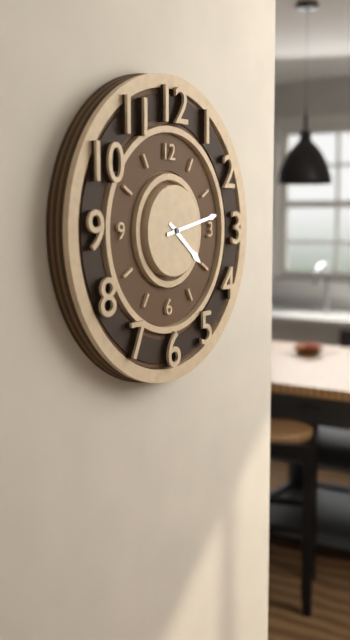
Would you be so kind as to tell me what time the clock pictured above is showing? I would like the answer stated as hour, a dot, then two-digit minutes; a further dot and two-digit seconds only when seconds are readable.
4.13
